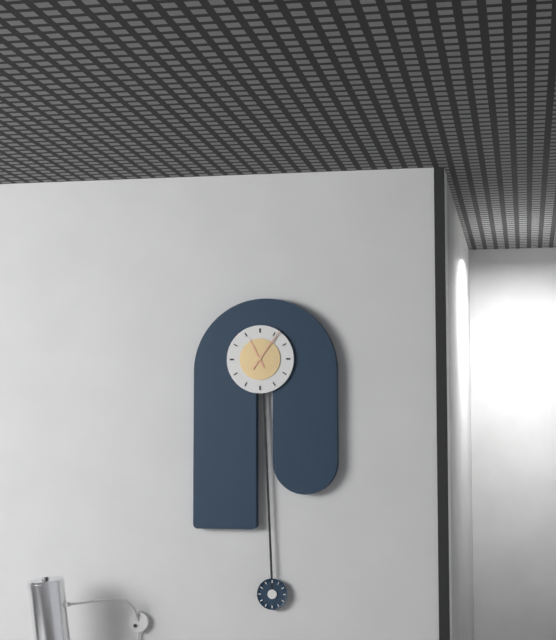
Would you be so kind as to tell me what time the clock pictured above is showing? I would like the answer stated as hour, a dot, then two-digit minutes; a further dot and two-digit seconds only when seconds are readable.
11.06
